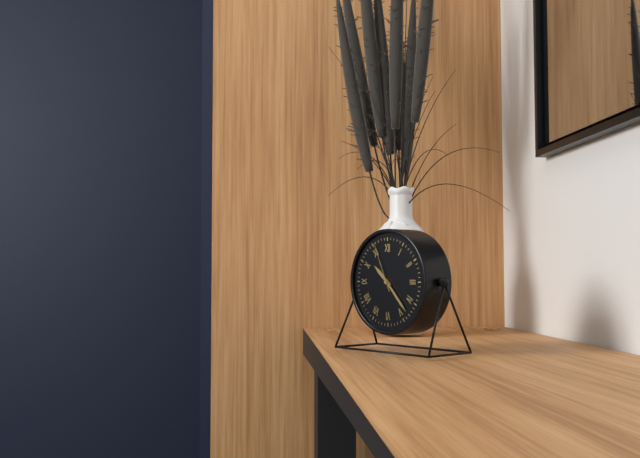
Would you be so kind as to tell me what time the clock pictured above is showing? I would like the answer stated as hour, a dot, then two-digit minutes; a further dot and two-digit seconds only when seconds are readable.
10.23.56
